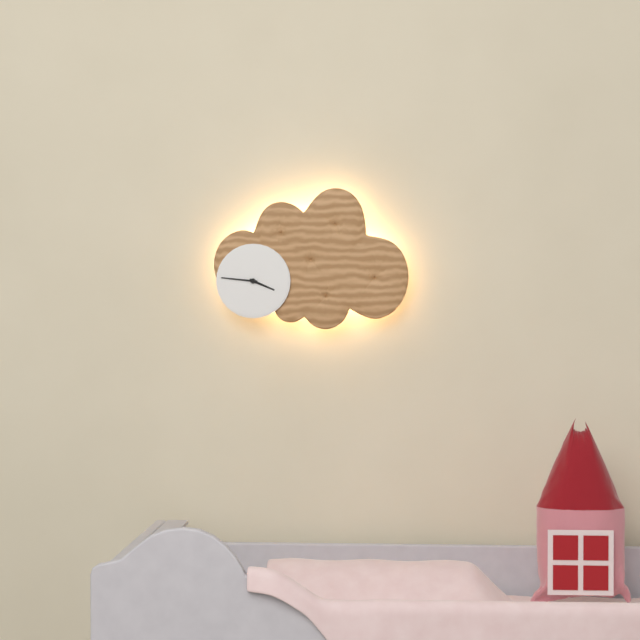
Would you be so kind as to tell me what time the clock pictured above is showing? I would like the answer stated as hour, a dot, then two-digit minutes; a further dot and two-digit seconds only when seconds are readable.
3.46
